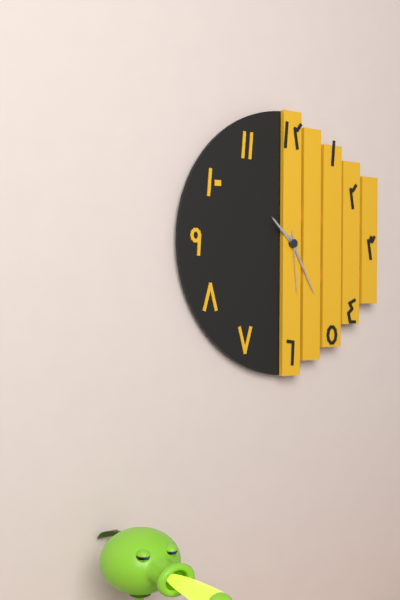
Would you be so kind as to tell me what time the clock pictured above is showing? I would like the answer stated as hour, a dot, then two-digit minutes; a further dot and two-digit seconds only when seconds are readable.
10.25.29
